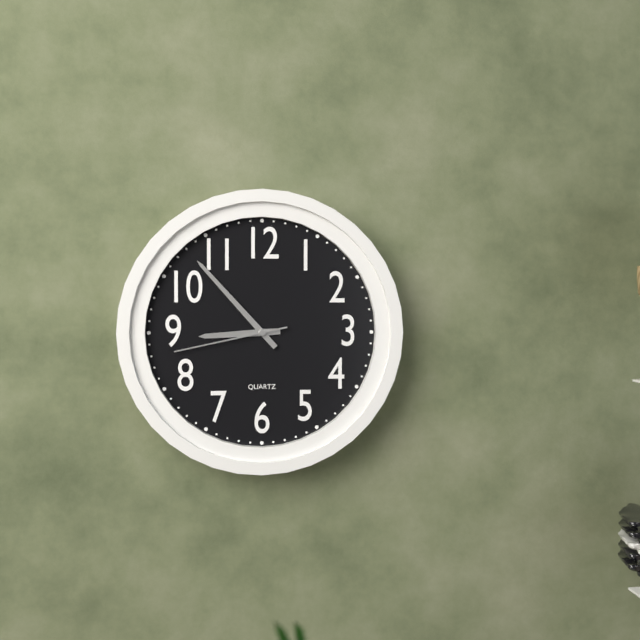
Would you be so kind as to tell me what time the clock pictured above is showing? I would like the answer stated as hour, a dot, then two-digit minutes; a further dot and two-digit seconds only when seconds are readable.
8.53.43
